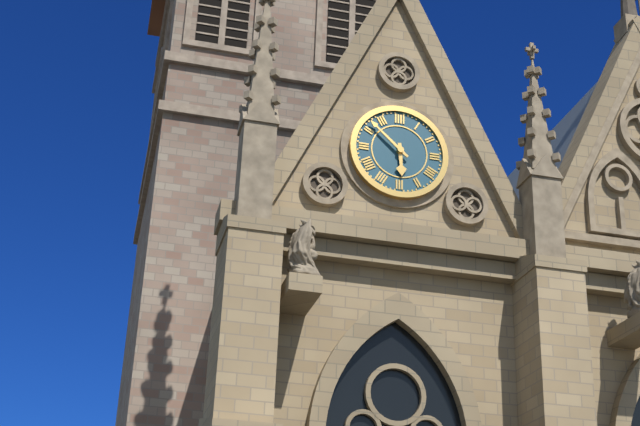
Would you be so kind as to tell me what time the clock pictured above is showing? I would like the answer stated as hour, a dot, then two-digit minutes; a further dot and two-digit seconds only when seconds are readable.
5.52
